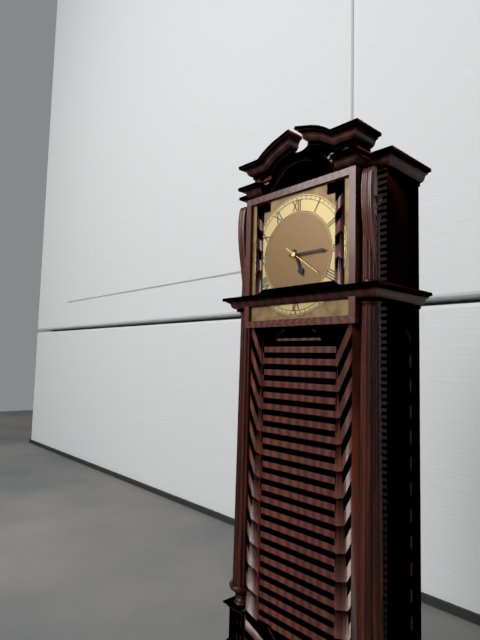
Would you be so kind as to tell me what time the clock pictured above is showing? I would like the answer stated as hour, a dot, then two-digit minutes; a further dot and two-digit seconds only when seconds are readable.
5.15
